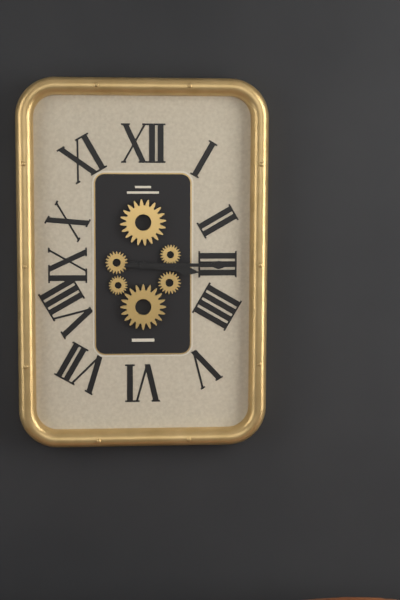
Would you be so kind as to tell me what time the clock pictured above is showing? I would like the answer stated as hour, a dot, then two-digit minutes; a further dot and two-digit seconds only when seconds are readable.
3.15
